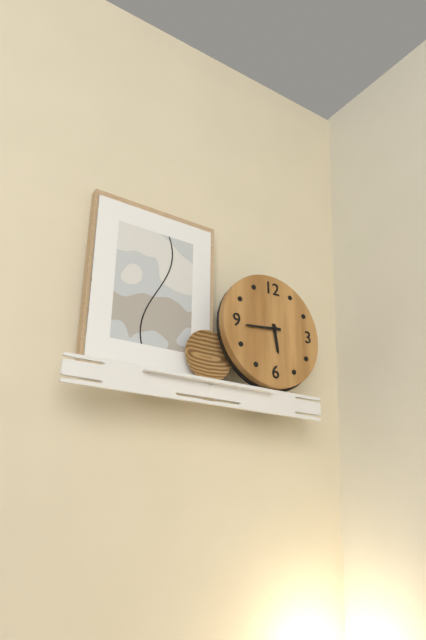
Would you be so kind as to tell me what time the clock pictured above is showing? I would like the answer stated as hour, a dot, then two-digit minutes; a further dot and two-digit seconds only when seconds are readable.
5.44
